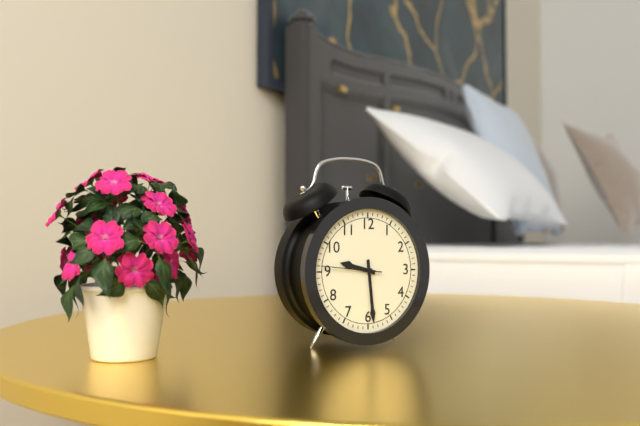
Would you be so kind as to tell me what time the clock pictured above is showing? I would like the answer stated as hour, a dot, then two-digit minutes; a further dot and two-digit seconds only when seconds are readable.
9.29.46
